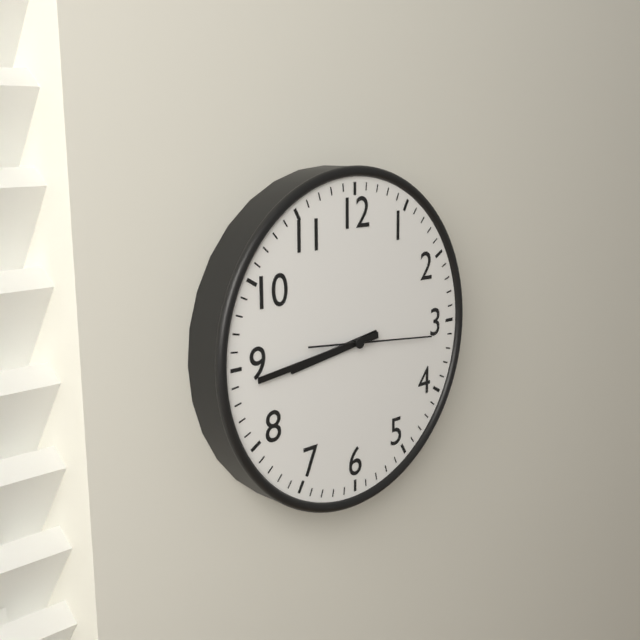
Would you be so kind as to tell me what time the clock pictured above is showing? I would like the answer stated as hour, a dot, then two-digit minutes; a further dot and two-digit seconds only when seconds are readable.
8.44.16
